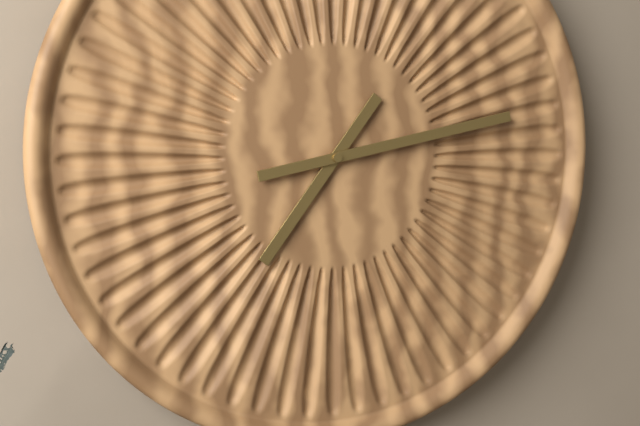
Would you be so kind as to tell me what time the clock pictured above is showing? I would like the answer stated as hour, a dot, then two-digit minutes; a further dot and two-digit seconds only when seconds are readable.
7.13
